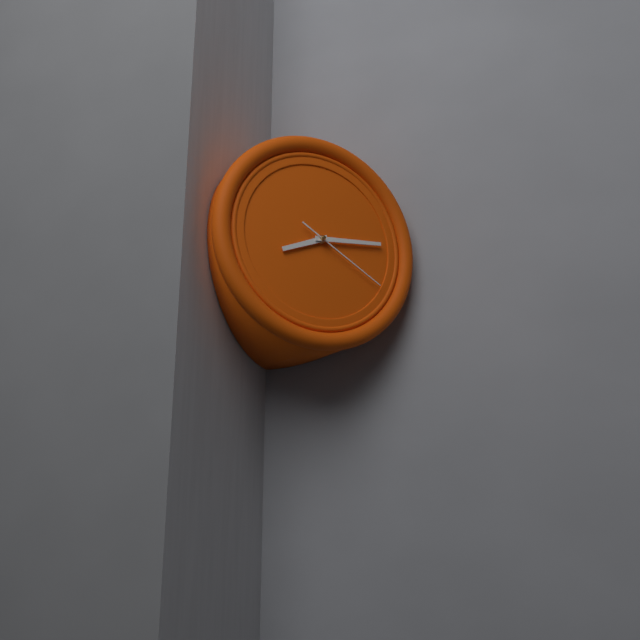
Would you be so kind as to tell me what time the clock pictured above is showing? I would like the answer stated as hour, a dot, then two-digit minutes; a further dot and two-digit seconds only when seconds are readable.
8.14.20
